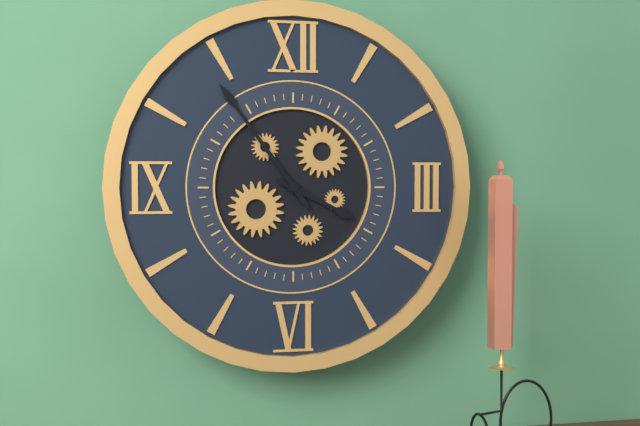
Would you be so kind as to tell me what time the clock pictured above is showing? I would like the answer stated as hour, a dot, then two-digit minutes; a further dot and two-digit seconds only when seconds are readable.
3.54
